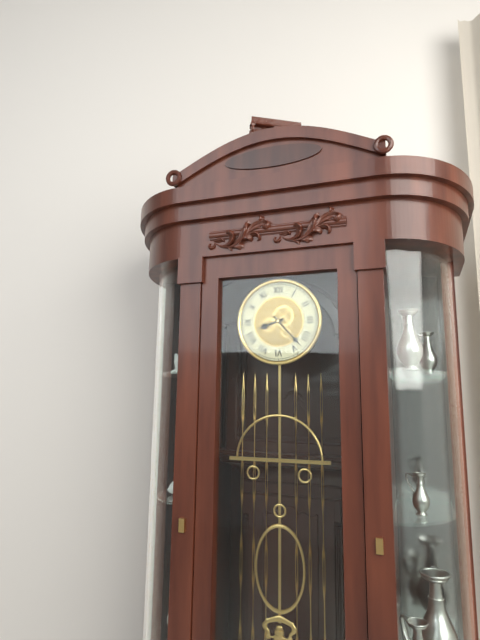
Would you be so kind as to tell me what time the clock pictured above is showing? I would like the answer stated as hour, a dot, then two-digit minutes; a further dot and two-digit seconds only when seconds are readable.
8.23
